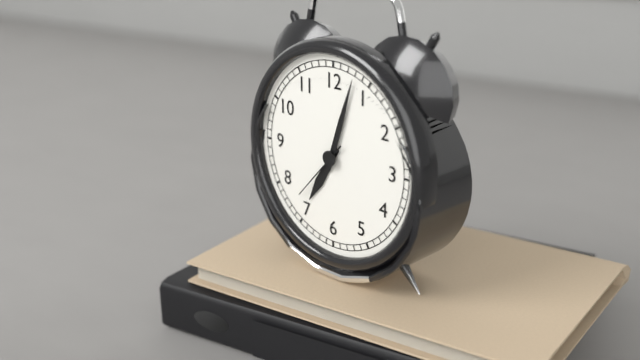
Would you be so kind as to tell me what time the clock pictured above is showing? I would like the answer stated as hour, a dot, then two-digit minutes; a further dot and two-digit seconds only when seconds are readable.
7.03.37
